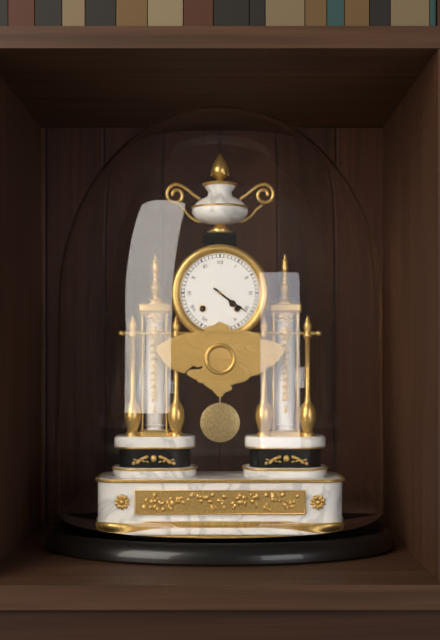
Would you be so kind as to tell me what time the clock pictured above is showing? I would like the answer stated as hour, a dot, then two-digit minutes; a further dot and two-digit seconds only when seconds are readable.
4.21
